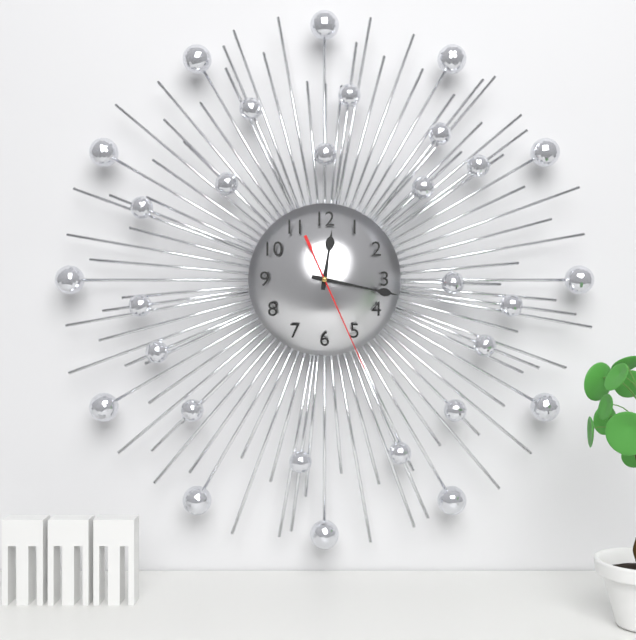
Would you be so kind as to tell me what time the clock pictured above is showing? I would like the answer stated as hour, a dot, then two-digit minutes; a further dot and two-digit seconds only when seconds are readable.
12.17.26
